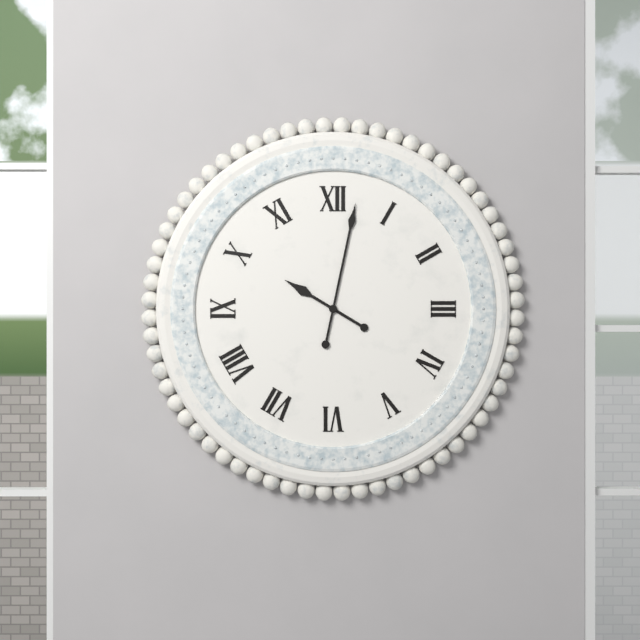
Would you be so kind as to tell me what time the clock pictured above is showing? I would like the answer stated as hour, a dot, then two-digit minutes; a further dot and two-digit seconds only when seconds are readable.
10.02
